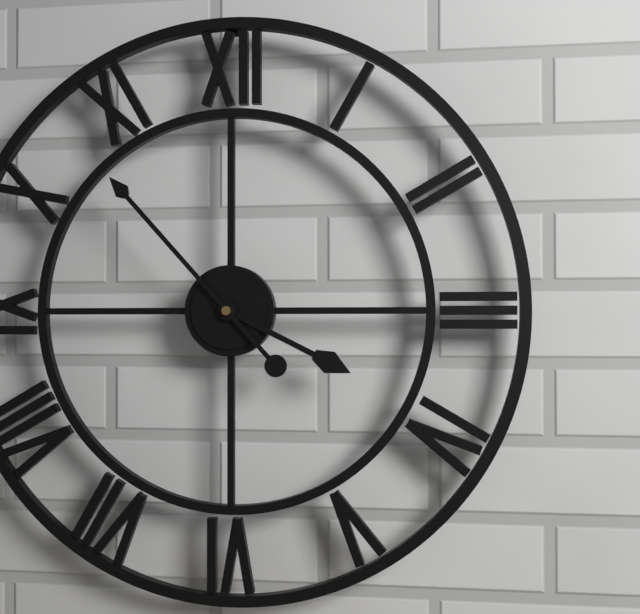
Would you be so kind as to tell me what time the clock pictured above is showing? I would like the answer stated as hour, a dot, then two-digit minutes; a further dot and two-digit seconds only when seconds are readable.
3.53
